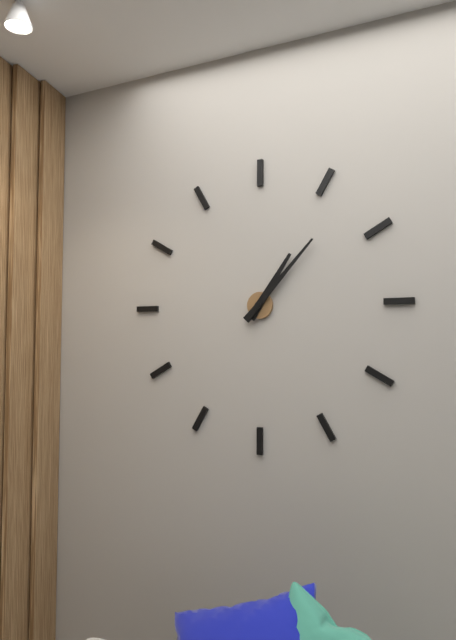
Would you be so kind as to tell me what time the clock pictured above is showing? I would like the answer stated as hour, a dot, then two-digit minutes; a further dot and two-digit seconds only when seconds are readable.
1.07
